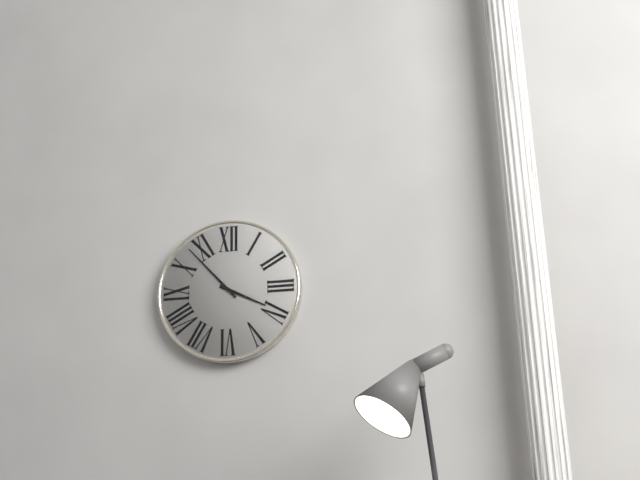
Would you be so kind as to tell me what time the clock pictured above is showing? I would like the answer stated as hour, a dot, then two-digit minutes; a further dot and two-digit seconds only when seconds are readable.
3.53
